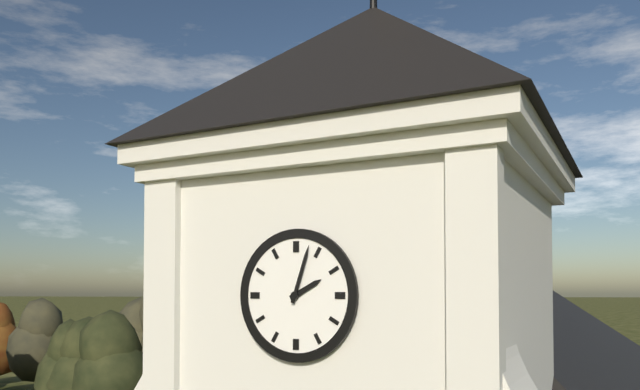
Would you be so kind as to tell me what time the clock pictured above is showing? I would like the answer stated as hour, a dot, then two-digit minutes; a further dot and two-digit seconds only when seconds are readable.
2.03
